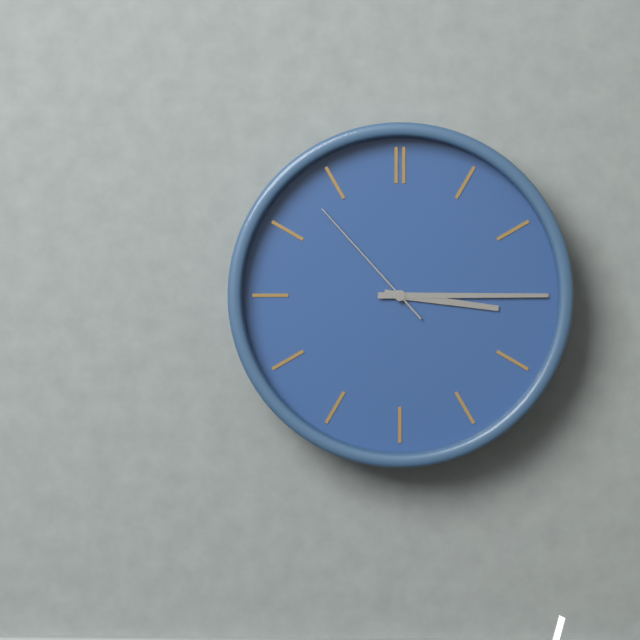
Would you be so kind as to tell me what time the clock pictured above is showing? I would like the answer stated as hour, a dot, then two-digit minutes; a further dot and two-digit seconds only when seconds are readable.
3.15.53
